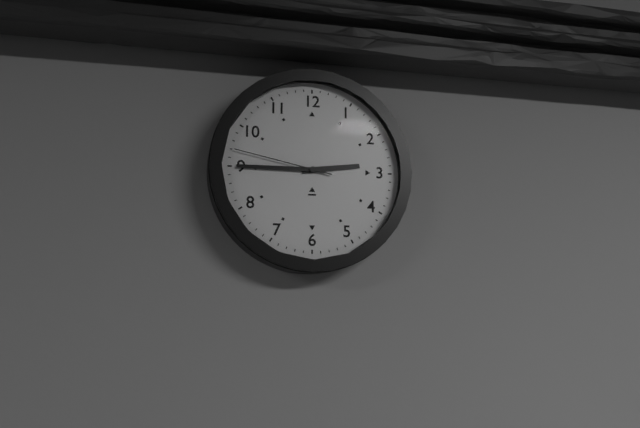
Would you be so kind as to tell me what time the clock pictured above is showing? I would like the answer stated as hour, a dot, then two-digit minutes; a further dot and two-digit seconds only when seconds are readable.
2.45.47
